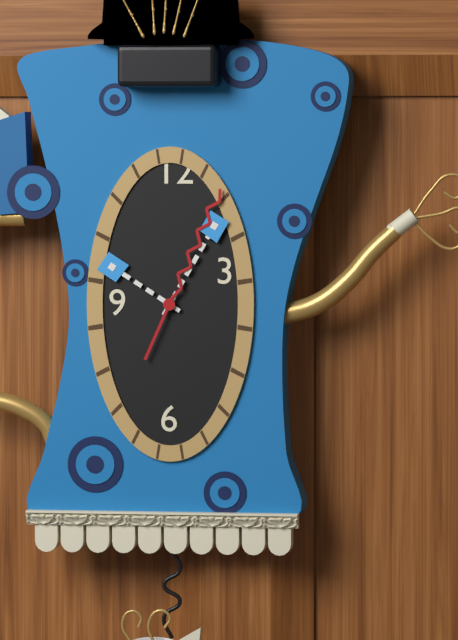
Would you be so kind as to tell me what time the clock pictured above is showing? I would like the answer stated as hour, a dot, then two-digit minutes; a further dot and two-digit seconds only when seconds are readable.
10.05.04
